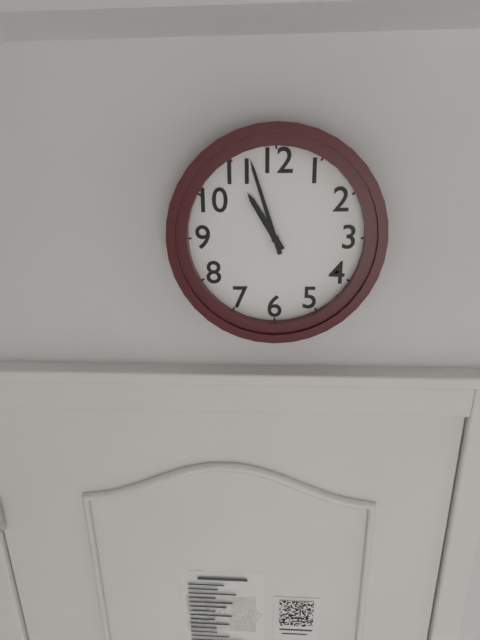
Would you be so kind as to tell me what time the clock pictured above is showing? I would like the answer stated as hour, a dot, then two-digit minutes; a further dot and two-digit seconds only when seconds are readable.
10.57
